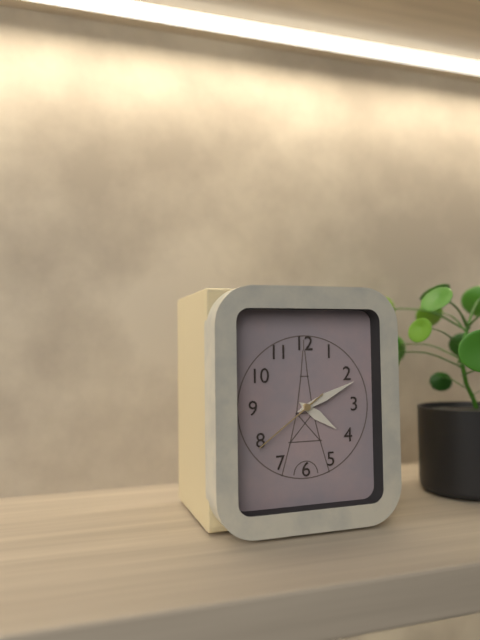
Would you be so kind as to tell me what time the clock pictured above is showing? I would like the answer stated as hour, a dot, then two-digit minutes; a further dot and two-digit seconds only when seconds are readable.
4.11.39
